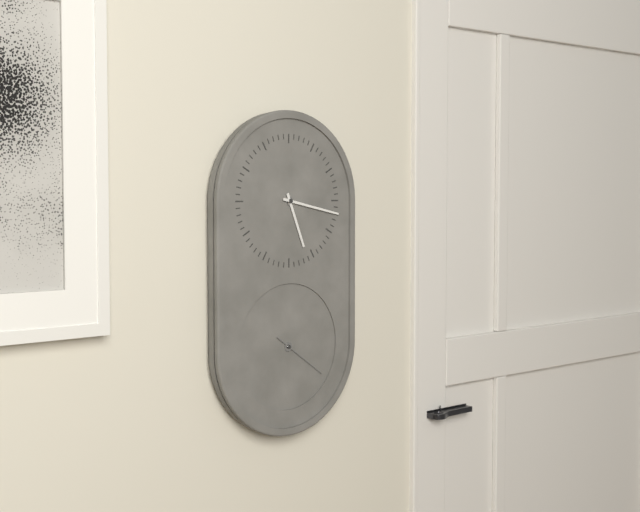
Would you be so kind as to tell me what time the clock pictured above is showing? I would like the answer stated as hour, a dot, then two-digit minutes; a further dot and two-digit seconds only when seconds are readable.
5.17.21
